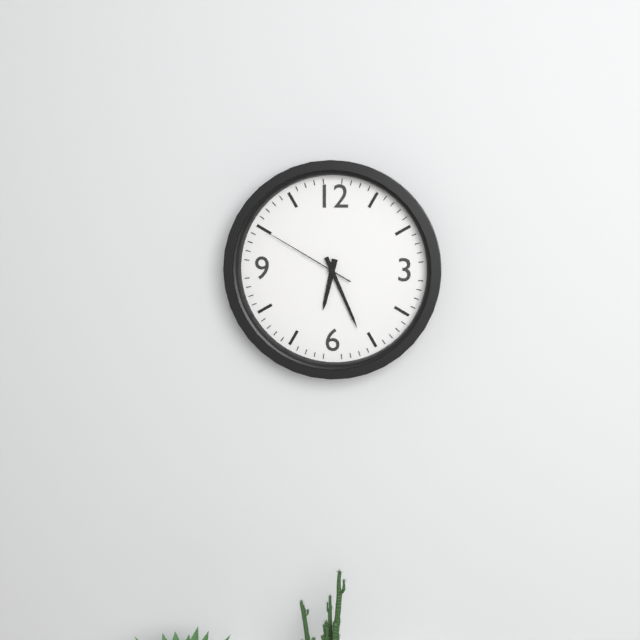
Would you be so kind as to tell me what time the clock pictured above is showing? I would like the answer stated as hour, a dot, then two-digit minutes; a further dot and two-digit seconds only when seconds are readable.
6.26.50
